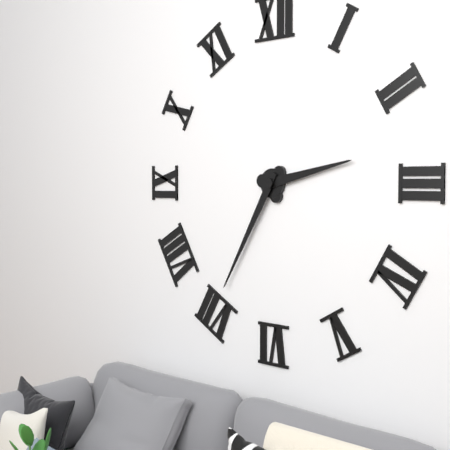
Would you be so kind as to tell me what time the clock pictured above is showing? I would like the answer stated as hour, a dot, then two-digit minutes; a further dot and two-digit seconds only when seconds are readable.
2.35
